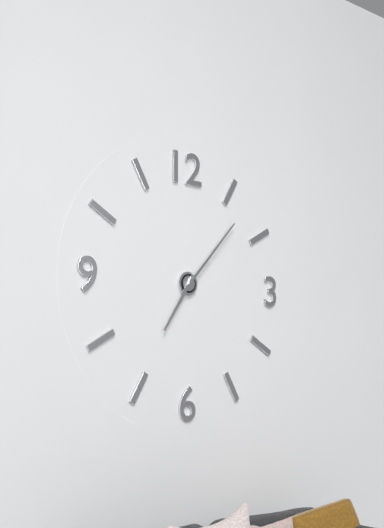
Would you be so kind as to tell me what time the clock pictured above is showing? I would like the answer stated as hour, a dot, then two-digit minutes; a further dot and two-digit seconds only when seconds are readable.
7.07
